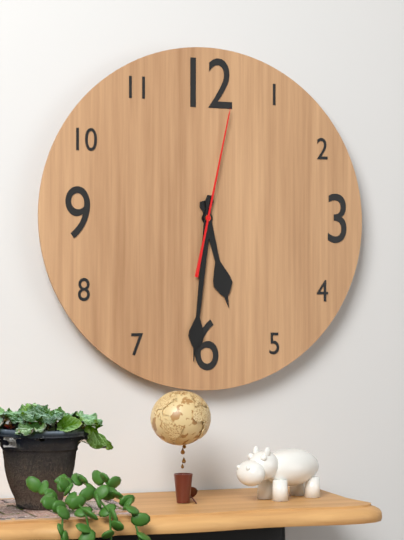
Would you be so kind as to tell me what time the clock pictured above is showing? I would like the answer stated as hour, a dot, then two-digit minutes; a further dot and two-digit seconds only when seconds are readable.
5.31.02
